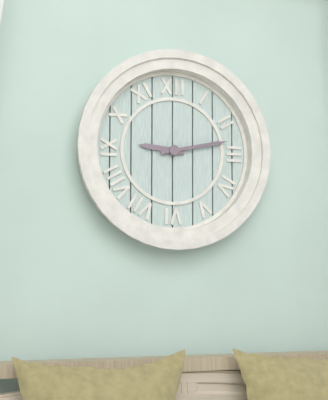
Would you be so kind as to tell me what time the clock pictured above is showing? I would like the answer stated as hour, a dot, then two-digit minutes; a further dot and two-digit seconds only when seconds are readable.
9.13
